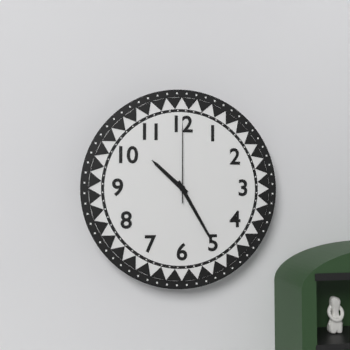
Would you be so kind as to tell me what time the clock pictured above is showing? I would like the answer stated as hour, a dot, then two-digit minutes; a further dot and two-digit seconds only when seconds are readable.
10.25.00
